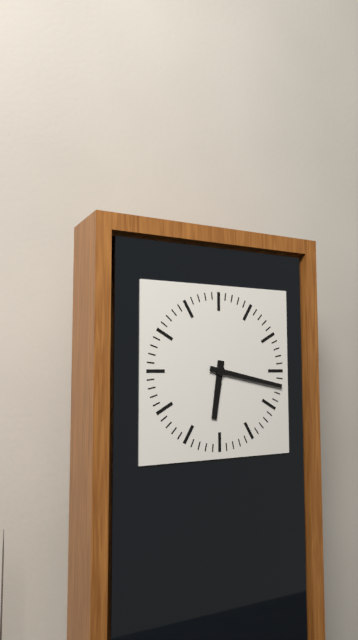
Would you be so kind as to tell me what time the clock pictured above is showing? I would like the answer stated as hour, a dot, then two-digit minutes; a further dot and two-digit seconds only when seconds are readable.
6.17
